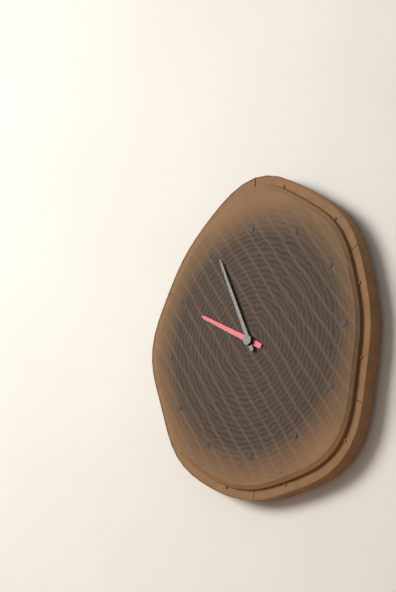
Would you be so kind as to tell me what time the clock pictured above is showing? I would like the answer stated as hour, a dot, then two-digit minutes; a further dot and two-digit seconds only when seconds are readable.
9.56
